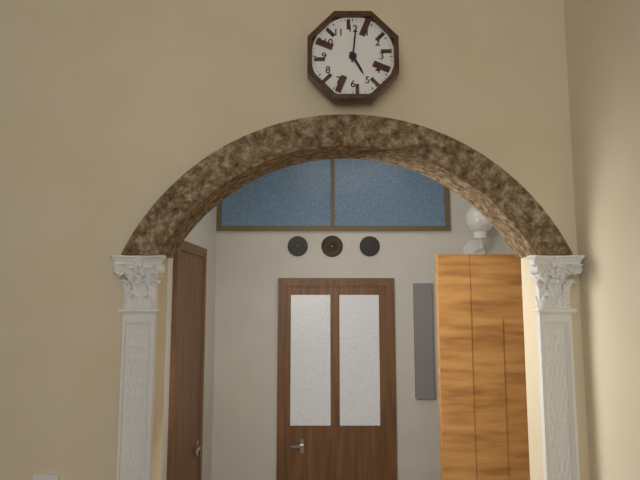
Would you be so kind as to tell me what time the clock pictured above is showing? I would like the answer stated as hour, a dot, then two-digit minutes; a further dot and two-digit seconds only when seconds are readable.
5.01
